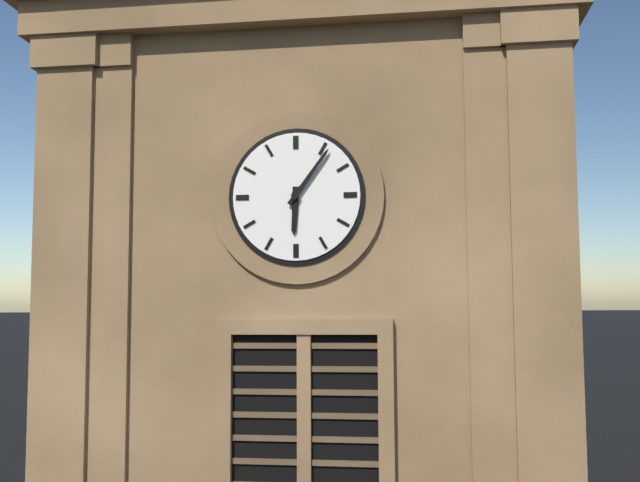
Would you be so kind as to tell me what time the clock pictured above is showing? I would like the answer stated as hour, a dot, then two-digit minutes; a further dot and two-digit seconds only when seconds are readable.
6.06
